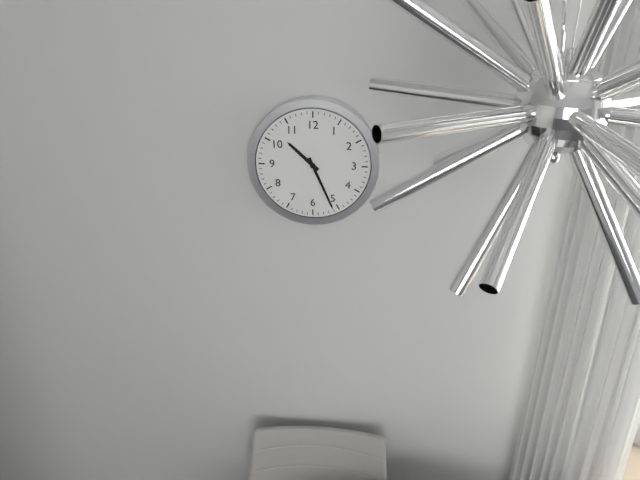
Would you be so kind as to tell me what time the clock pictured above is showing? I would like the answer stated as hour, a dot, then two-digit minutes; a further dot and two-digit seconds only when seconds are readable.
10.26
